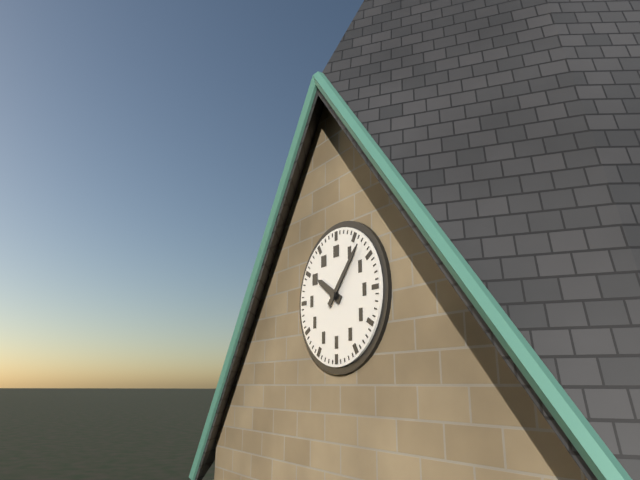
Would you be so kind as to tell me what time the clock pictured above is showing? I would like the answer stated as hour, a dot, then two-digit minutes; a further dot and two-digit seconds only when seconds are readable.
10.07
